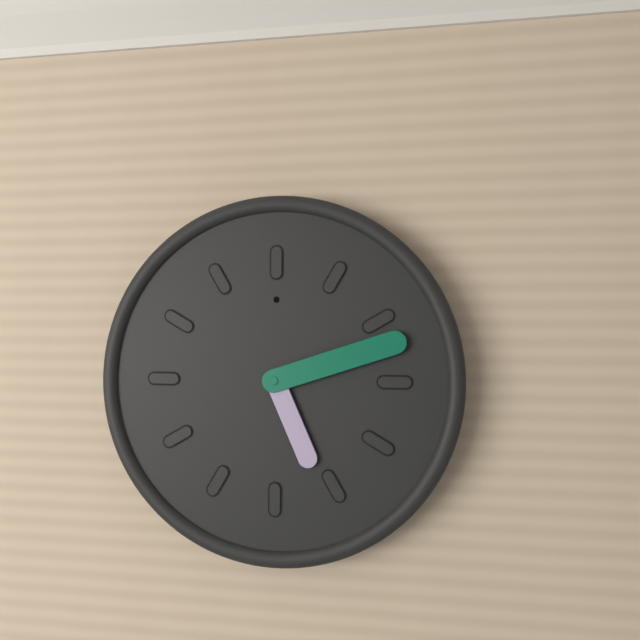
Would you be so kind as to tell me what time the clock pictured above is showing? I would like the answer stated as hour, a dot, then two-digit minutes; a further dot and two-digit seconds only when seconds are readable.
5.12
